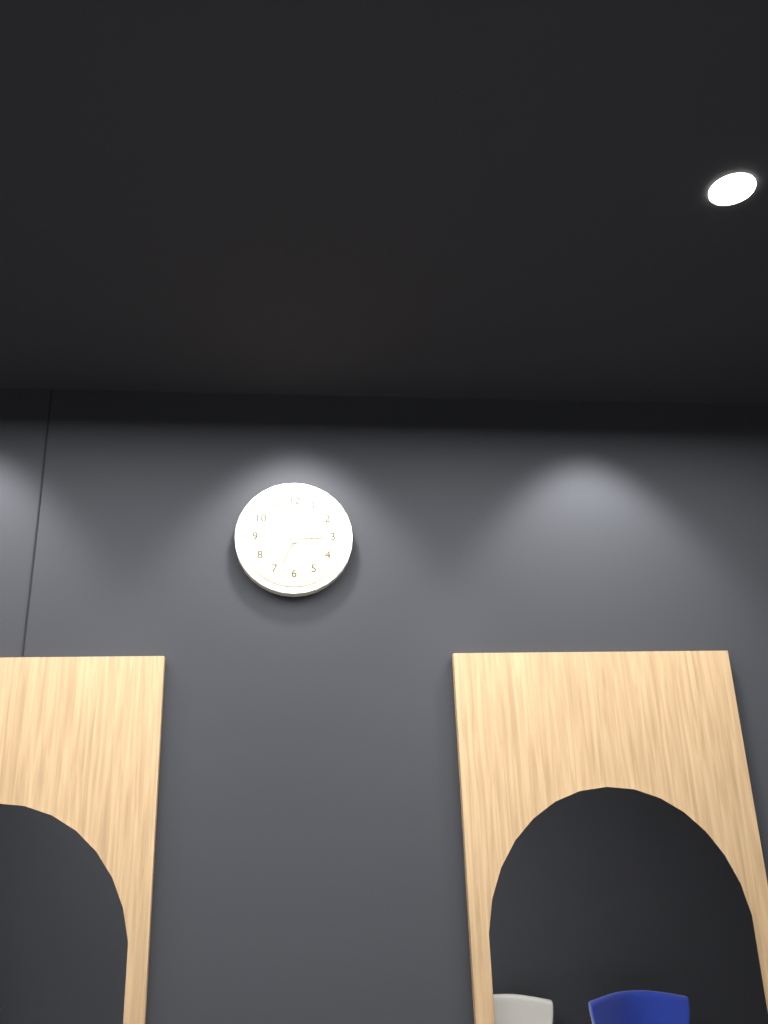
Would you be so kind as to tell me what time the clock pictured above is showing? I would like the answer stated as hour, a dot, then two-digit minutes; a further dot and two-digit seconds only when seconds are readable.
2.58.34
